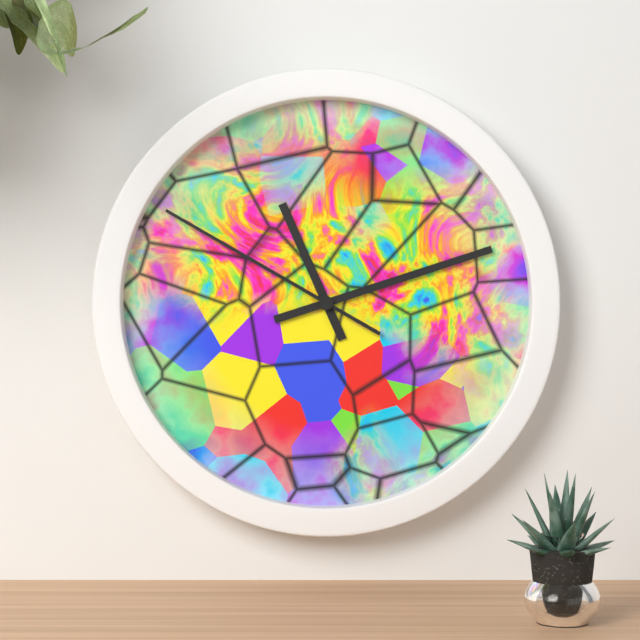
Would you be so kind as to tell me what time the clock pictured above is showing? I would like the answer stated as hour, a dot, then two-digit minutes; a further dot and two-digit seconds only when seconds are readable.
11.12.50
